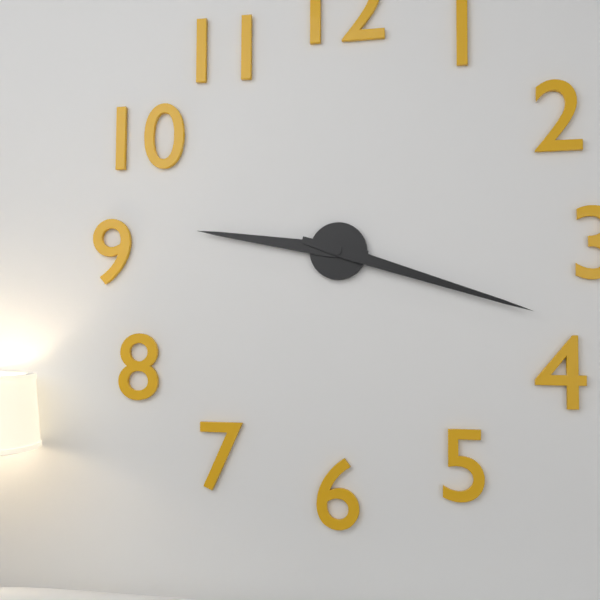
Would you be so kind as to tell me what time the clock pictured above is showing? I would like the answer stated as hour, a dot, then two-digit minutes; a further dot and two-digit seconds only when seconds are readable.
9.18
